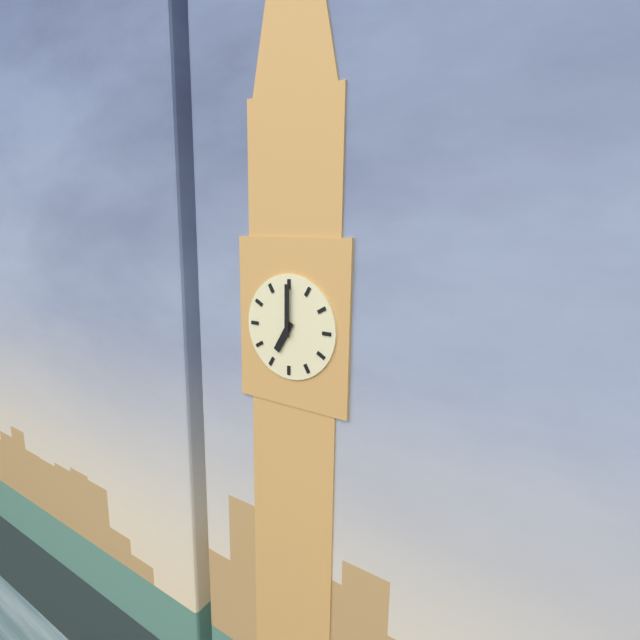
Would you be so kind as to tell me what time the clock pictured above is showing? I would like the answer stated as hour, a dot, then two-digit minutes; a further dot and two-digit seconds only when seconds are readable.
7.00
